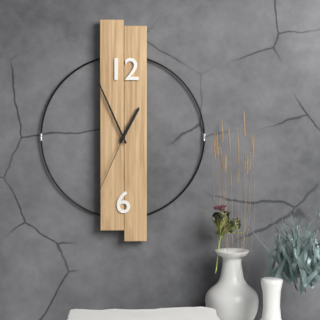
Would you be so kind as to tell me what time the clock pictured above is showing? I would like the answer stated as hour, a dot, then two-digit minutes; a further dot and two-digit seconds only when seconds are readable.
12.56.34
